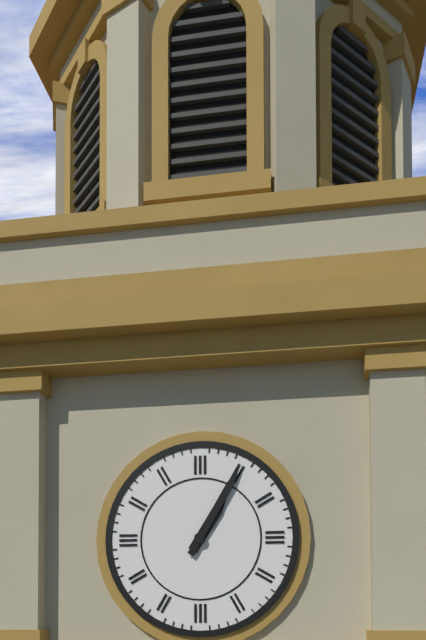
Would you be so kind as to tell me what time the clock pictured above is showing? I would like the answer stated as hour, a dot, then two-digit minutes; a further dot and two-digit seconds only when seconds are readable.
1.05
